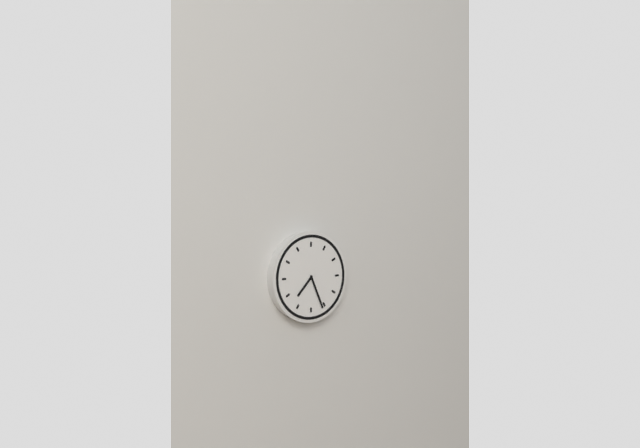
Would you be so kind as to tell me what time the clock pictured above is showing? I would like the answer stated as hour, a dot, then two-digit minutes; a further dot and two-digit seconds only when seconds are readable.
7.26
